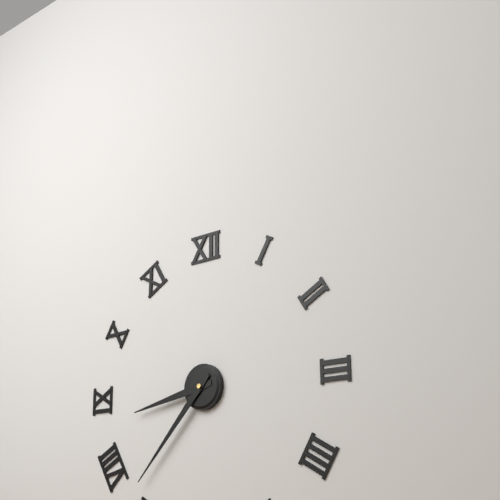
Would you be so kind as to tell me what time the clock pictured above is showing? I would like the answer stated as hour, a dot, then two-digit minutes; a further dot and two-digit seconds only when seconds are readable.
8.37
